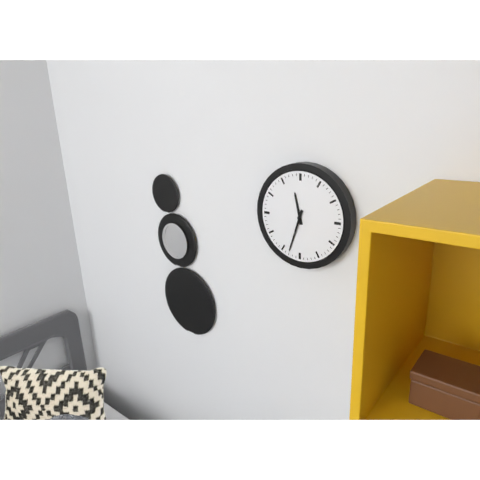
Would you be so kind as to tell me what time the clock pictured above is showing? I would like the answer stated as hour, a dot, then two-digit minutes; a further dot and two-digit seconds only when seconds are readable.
11.33
